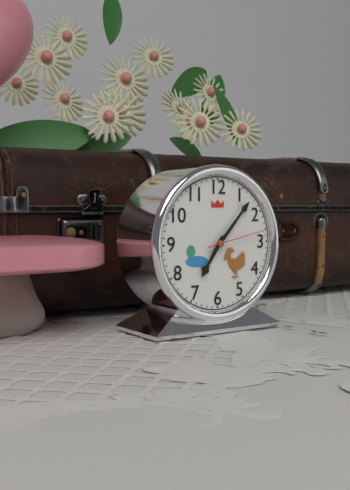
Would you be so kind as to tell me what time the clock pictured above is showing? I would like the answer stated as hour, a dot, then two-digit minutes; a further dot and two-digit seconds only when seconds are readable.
7.07.13
